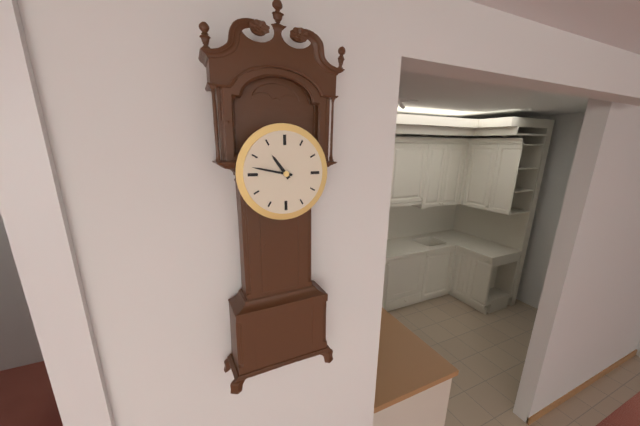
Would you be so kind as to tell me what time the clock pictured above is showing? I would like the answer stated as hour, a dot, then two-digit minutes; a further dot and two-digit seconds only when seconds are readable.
10.47
